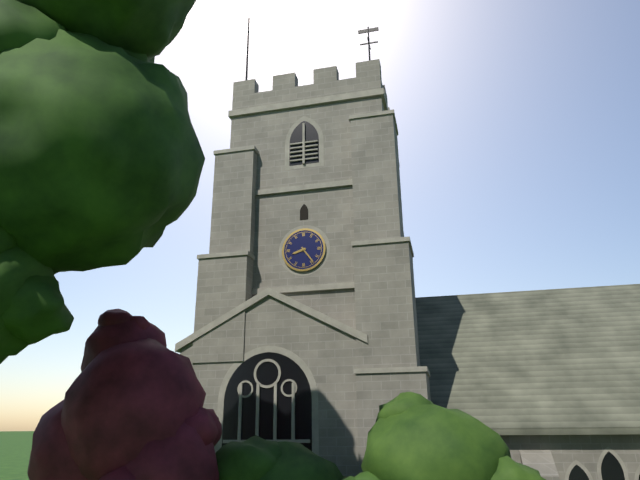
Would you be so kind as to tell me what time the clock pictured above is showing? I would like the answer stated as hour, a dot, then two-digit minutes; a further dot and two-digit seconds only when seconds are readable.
8.24
